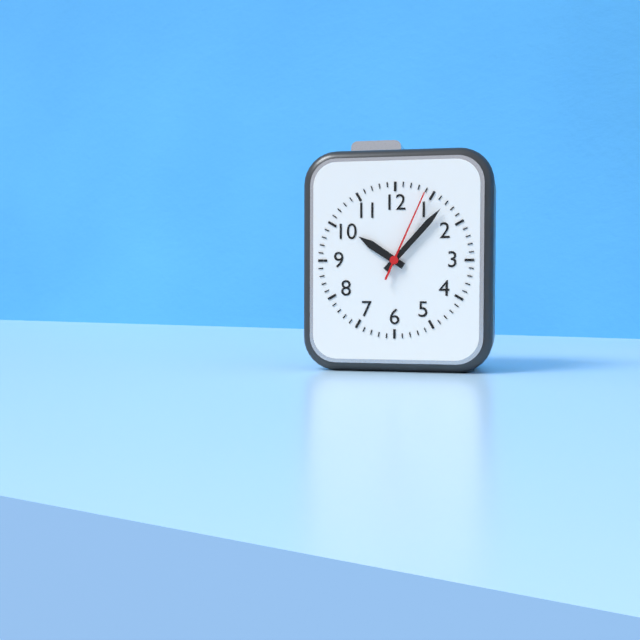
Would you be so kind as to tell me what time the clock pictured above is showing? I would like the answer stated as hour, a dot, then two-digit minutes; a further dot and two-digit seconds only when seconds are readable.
10.07.04
